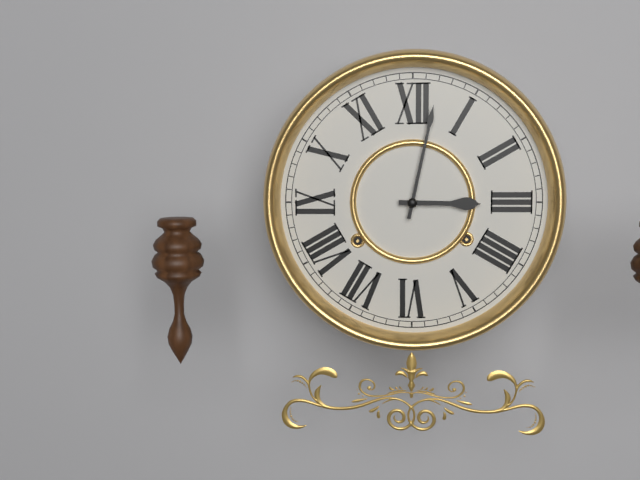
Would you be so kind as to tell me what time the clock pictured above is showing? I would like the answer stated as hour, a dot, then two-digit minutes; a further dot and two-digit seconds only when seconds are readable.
3.02
